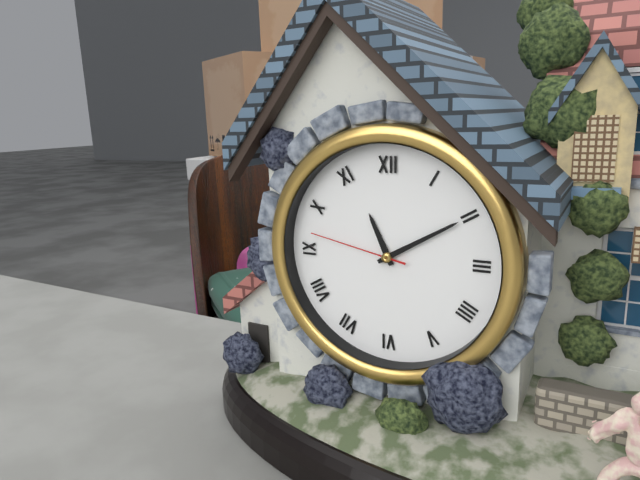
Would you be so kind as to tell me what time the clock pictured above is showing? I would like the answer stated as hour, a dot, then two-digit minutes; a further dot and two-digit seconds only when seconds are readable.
11.10.47
